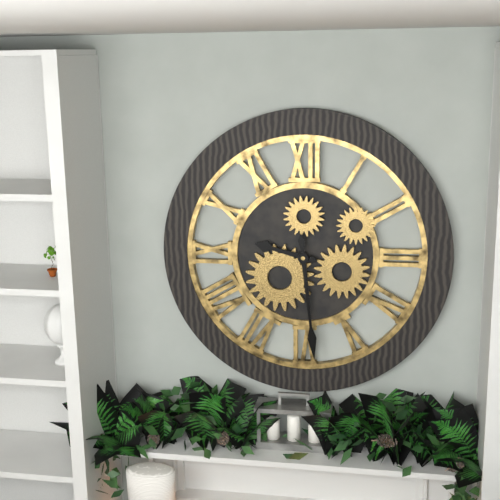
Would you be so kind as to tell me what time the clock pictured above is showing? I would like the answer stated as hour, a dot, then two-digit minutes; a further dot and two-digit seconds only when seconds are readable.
9.29
